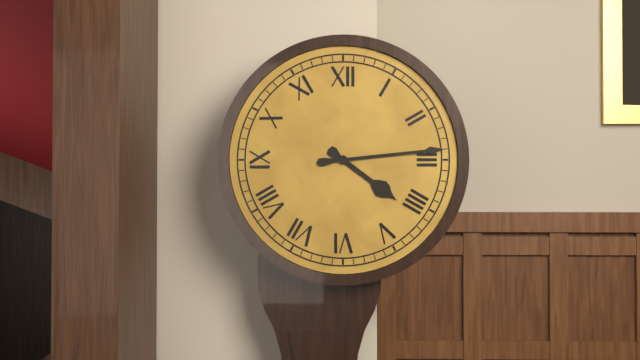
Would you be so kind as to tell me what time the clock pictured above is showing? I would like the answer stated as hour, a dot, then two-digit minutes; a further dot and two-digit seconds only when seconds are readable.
4.14
